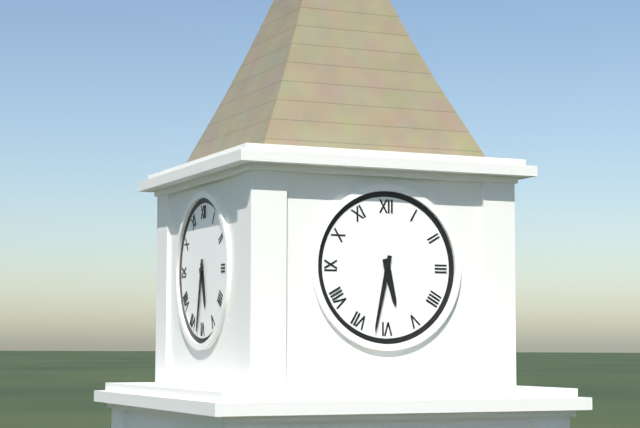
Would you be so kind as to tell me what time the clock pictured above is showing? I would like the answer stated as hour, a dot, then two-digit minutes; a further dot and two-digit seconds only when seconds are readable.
5.32
